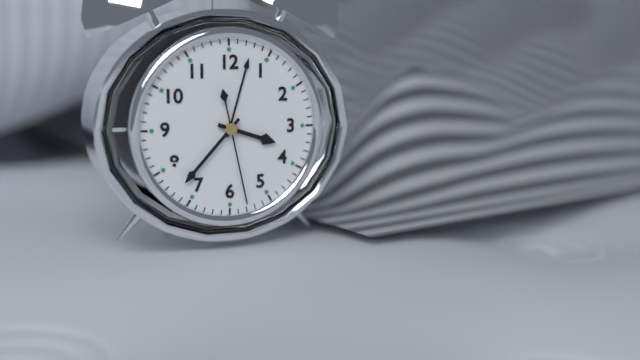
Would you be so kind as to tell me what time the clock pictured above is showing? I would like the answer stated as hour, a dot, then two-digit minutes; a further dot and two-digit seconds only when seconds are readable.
3.37.28
